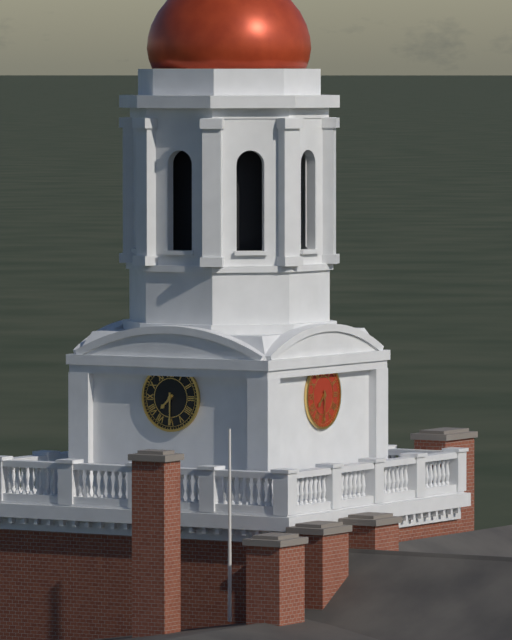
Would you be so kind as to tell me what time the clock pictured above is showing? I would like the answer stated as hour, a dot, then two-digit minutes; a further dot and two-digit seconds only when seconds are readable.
7.30
